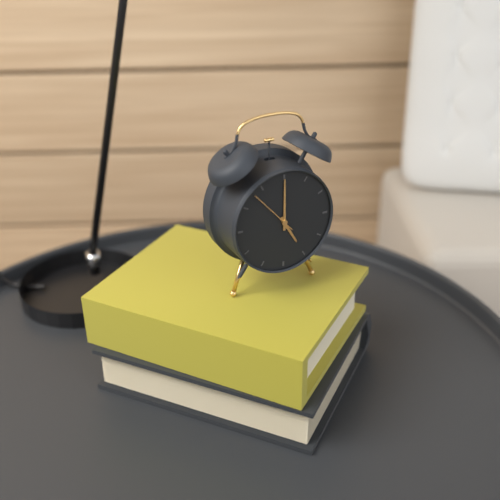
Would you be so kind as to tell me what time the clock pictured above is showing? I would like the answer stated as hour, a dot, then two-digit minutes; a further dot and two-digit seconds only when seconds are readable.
5.00
